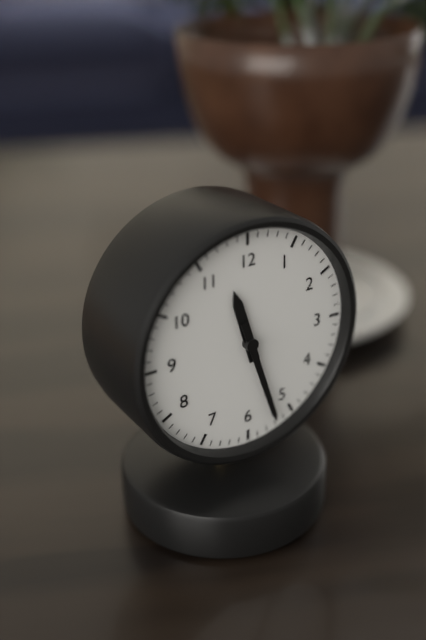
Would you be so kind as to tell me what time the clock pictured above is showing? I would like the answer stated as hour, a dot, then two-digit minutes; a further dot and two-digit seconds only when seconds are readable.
11.27
